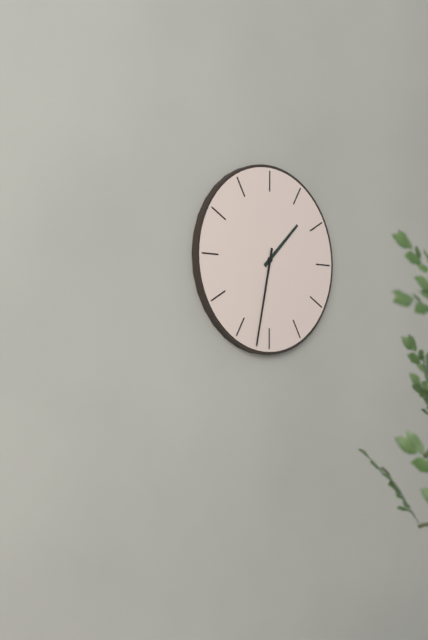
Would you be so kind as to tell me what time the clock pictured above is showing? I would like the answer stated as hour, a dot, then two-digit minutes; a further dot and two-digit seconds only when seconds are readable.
1.32
